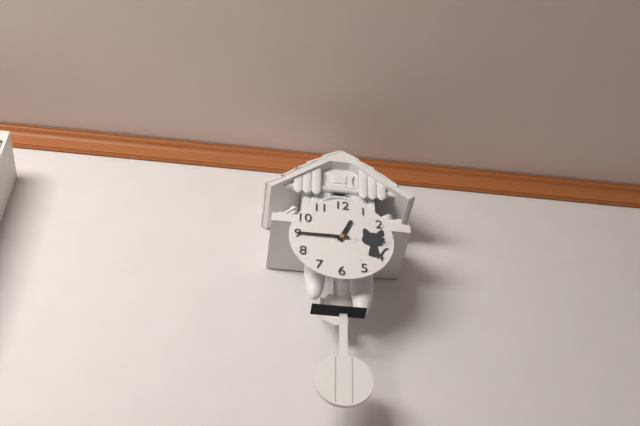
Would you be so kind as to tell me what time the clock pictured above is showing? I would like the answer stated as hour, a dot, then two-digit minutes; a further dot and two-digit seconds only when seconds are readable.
12.45
